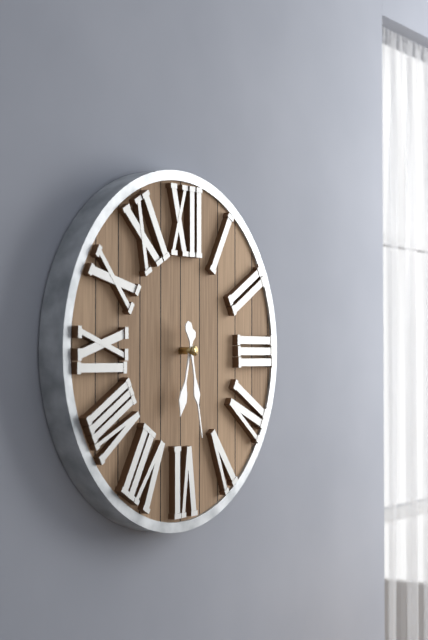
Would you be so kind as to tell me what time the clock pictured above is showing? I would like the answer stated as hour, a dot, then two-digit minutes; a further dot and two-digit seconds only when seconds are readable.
6.28
